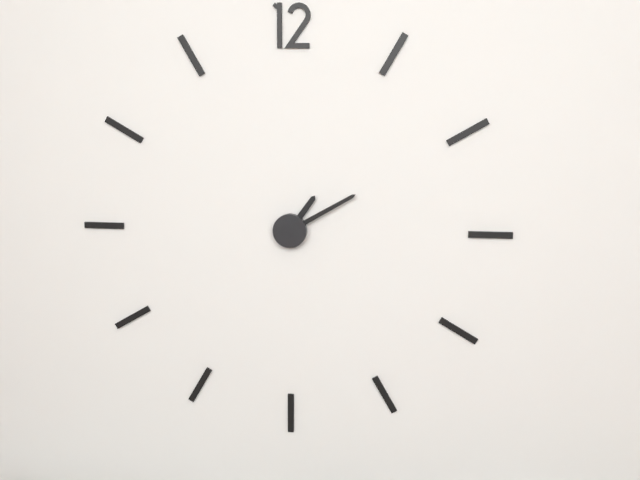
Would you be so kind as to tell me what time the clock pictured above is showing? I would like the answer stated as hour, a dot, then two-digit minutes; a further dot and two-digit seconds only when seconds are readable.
1.10
